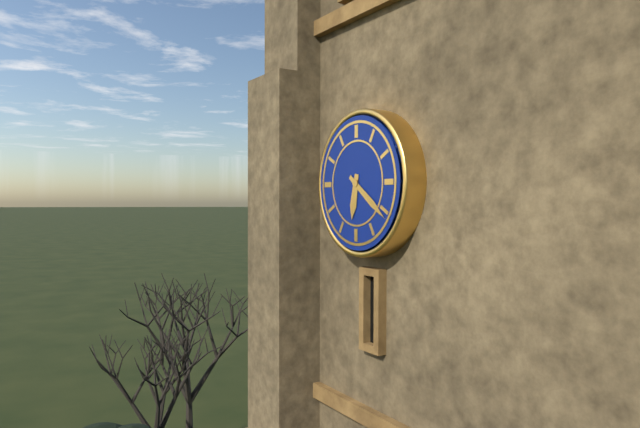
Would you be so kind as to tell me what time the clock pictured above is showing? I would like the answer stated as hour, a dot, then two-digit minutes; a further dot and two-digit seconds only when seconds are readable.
6.21
